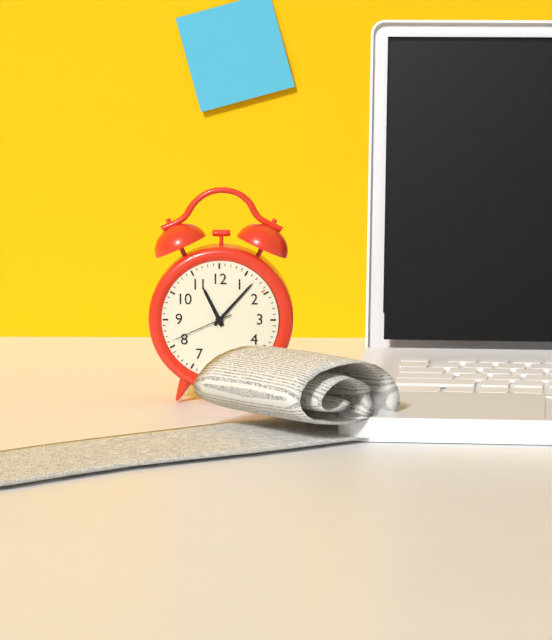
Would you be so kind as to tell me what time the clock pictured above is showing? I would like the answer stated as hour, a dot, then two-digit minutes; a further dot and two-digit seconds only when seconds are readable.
11.07.41
